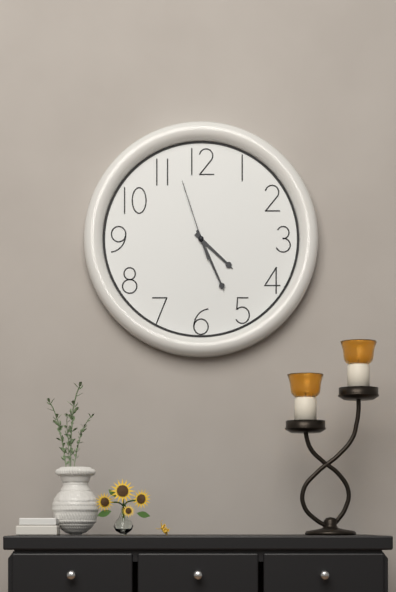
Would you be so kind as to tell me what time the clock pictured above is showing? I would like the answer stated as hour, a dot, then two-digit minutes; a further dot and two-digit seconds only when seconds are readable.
4.26.57
